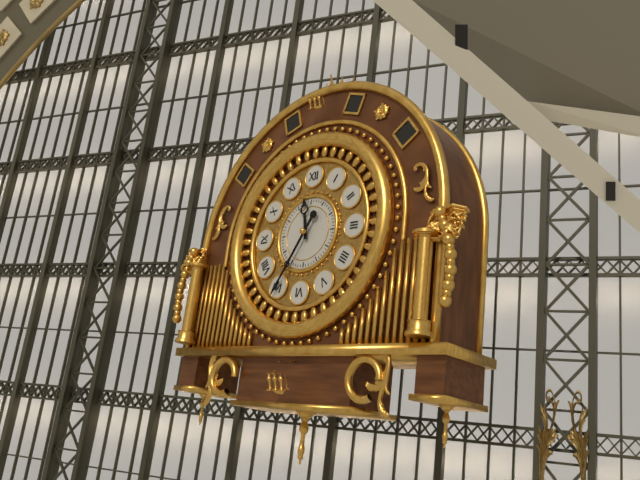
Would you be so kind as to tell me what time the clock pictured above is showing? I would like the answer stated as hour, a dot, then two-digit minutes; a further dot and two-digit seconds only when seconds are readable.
11.35
